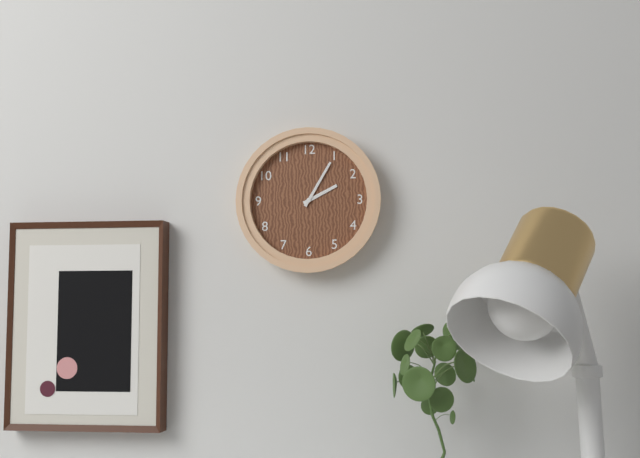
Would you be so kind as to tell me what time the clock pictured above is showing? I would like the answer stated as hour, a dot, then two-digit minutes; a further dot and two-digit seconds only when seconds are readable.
2.05
